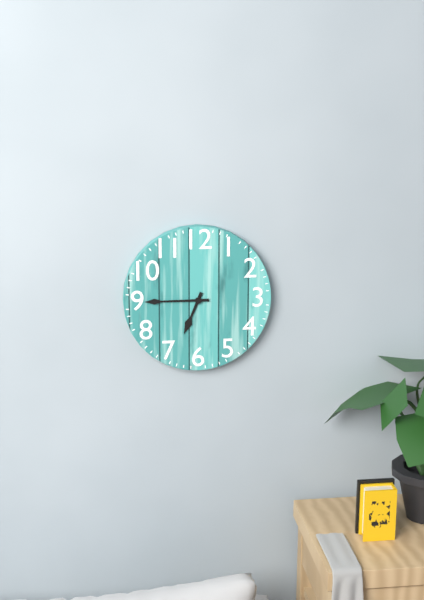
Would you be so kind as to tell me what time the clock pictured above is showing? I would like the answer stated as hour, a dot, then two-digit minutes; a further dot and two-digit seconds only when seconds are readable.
6.45
